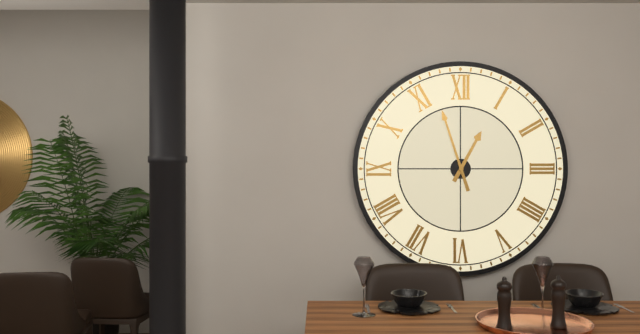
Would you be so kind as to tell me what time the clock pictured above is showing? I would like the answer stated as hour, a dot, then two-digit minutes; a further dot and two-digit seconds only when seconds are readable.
12.57
